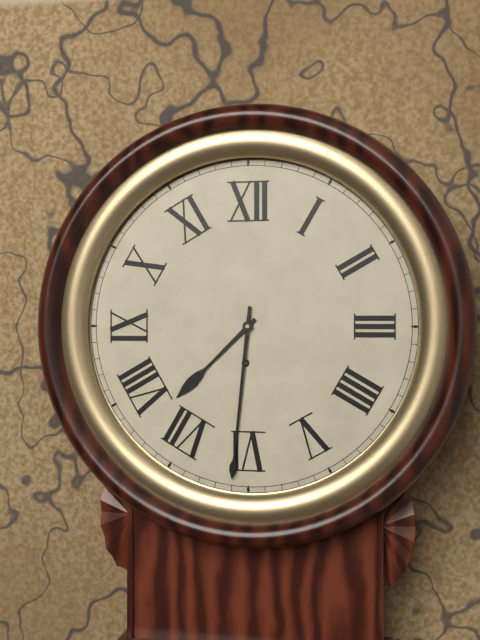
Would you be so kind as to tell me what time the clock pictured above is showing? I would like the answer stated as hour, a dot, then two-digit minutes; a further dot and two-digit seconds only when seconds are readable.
7.31
